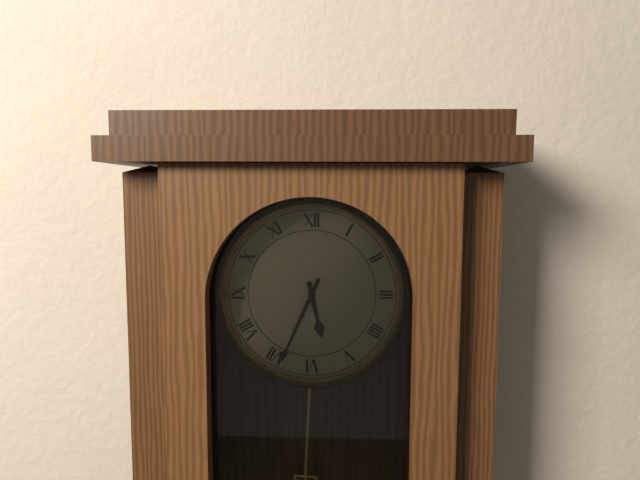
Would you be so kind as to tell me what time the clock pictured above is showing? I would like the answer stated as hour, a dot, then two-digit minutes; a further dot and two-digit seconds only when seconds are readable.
5.34
